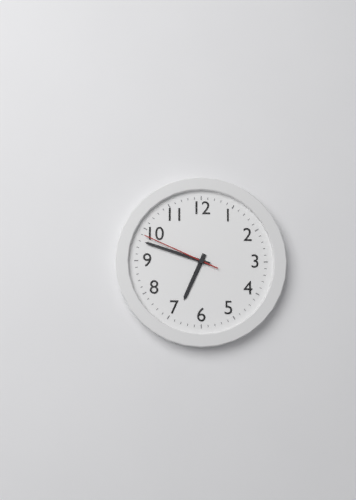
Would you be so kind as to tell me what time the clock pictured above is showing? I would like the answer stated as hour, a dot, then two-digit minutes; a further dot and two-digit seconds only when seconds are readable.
6.48.49
